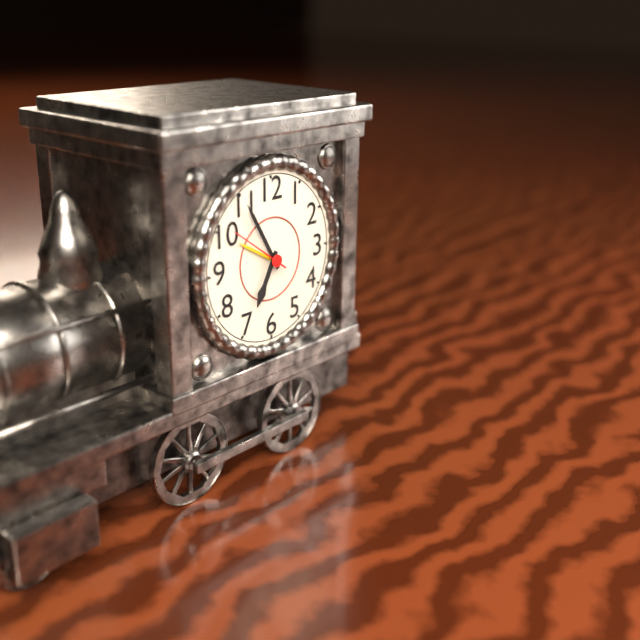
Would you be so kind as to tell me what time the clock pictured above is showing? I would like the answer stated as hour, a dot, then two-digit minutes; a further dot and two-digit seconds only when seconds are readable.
6.55.51
